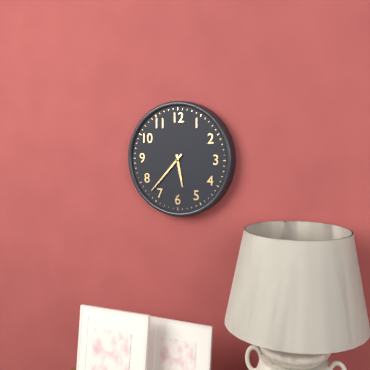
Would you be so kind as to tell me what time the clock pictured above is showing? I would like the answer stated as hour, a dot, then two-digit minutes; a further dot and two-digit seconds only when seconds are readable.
5.37
